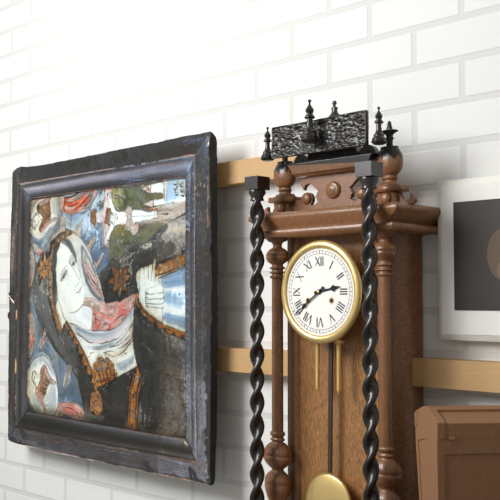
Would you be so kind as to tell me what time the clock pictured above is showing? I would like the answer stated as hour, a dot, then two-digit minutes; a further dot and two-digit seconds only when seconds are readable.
2.39
